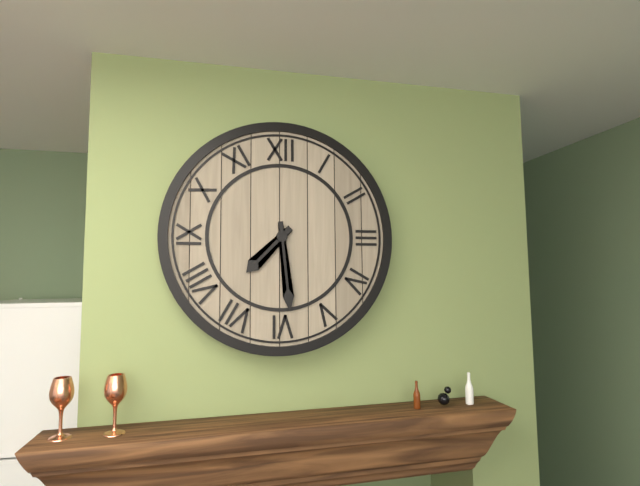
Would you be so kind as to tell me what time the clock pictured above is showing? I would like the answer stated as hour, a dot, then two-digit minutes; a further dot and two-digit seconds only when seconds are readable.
7.29
